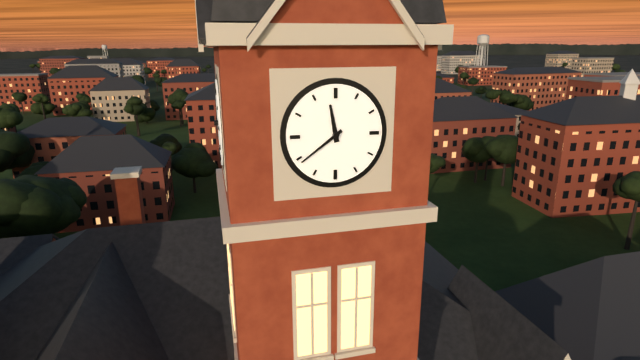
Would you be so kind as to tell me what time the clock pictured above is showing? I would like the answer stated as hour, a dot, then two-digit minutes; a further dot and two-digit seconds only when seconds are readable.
11.39
